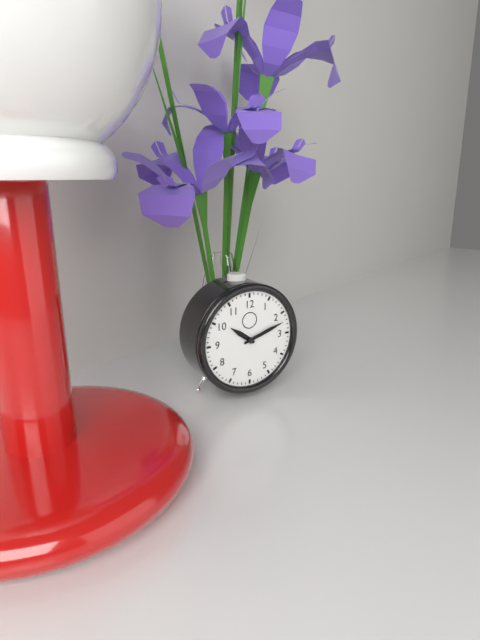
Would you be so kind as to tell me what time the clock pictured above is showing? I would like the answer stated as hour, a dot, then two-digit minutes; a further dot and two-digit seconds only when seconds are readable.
10.12
